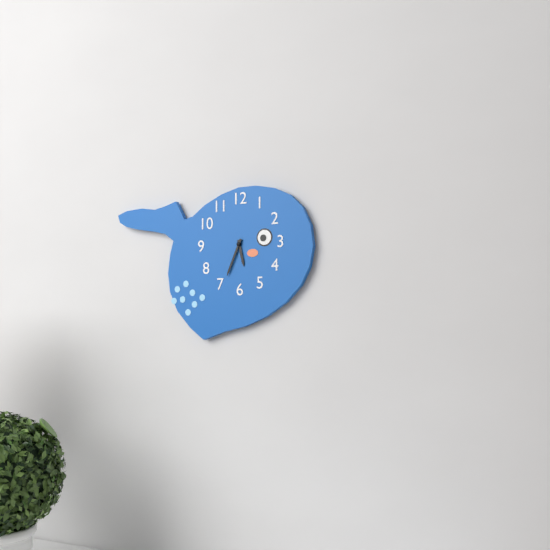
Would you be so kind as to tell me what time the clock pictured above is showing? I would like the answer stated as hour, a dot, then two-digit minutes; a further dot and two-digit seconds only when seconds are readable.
5.34
